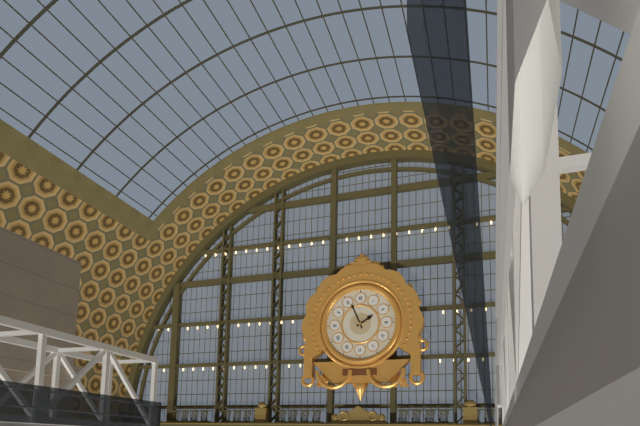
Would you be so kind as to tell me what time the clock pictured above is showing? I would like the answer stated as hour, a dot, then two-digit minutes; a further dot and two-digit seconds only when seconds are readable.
1.56
